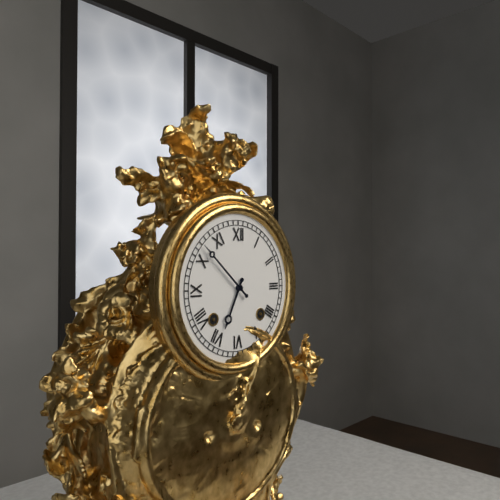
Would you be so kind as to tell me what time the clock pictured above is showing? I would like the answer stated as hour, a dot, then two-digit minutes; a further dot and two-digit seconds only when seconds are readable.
6.52
